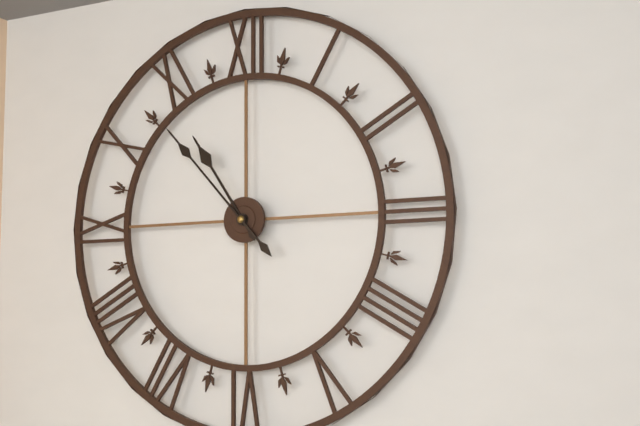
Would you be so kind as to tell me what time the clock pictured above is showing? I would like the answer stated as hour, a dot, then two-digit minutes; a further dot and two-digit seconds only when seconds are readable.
10.53
